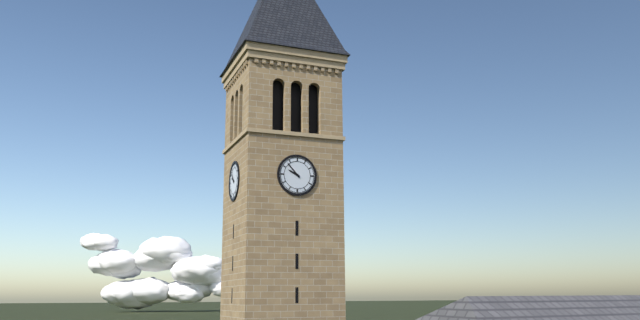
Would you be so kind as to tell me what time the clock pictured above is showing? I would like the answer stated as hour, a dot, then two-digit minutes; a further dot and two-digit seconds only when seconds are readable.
9.53
